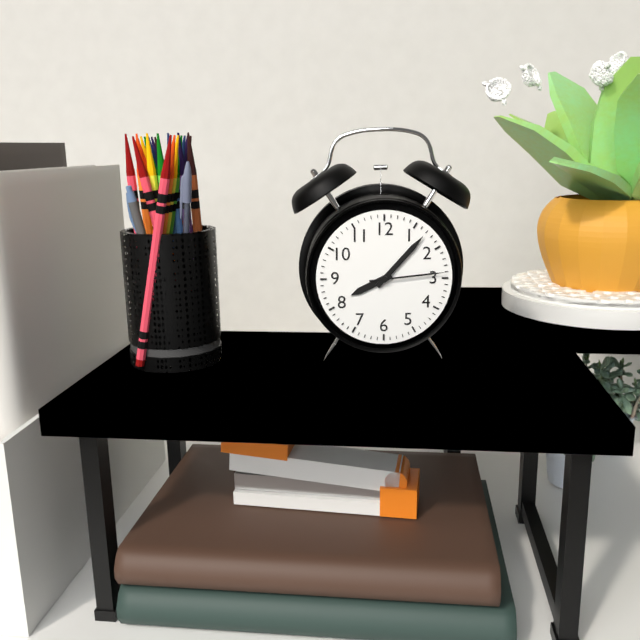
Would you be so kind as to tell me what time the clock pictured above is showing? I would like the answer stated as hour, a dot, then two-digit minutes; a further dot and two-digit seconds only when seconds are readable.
8.07.14
